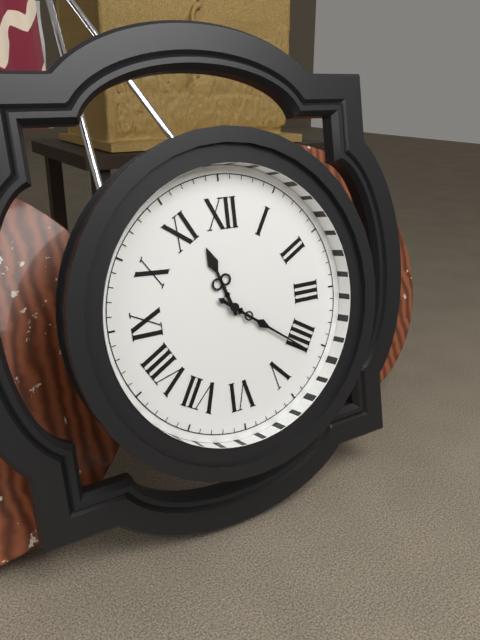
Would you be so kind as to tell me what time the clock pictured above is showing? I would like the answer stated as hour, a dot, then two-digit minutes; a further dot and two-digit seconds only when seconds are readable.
11.21
